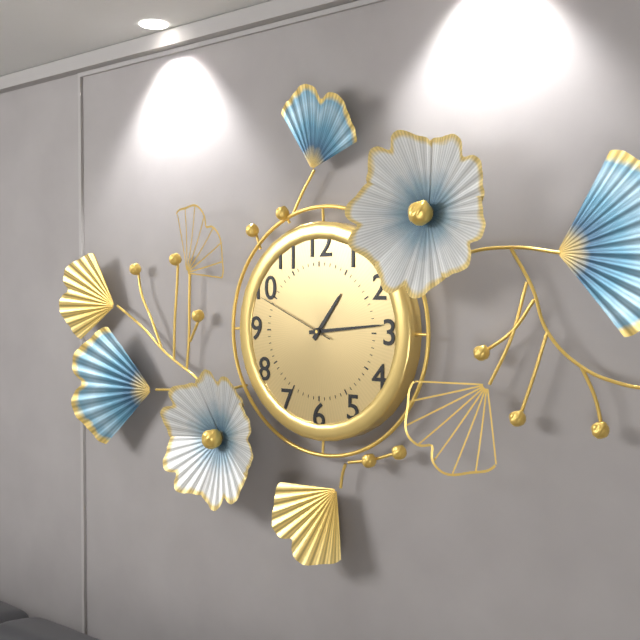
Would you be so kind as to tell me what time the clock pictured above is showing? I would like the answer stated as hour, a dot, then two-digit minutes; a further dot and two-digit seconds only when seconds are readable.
1.14.49
